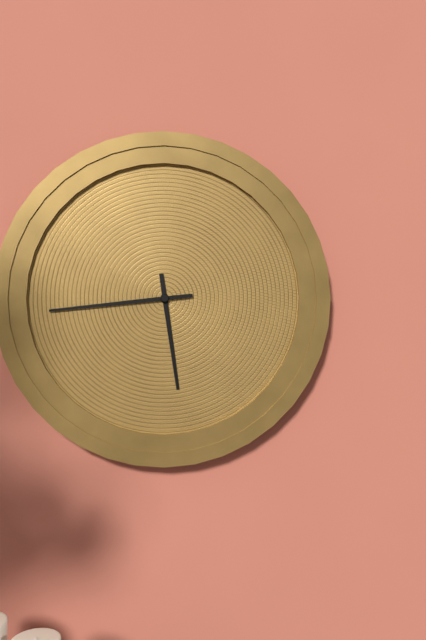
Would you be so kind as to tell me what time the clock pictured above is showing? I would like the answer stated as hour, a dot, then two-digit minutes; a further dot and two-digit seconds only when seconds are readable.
5.44
